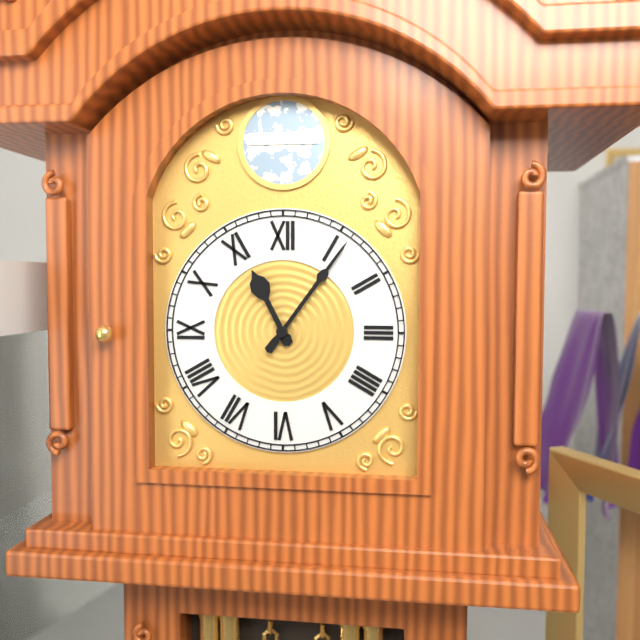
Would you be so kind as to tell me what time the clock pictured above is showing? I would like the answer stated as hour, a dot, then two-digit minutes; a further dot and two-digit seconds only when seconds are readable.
11.06
